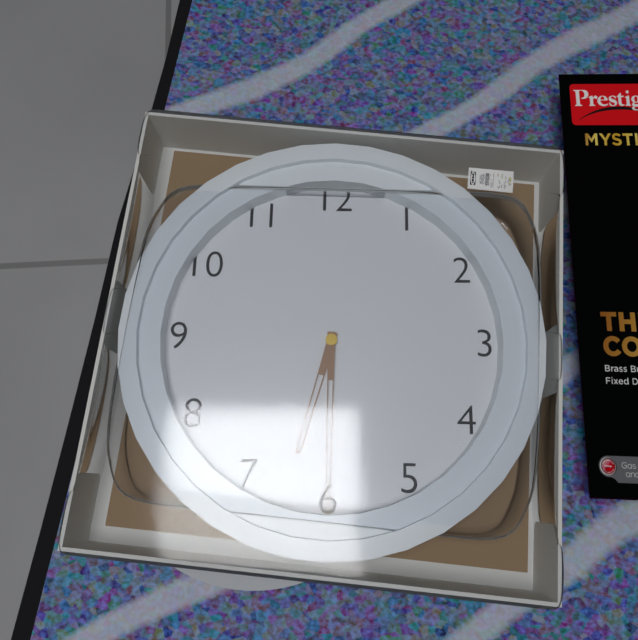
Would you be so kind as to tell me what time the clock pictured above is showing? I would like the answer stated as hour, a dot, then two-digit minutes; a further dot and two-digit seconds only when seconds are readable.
6.30
